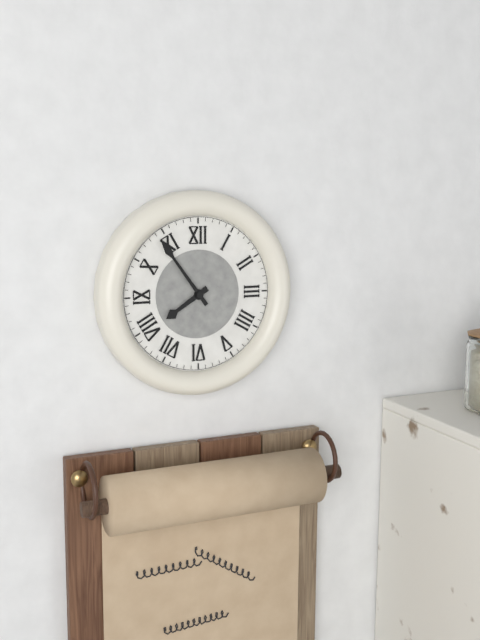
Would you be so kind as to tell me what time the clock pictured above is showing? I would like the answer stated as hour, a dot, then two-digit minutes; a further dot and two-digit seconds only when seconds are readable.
7.54
